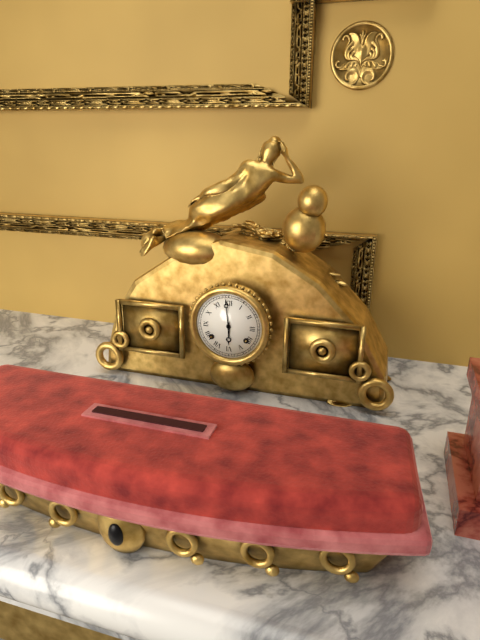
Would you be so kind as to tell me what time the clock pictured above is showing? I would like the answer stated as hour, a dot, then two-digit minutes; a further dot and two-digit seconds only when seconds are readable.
5.59
